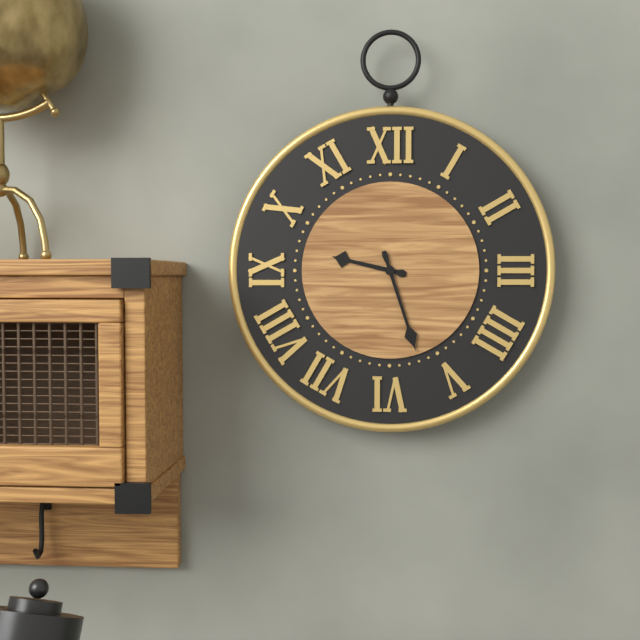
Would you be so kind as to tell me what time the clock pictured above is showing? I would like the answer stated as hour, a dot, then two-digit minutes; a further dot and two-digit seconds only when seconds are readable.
9.27
